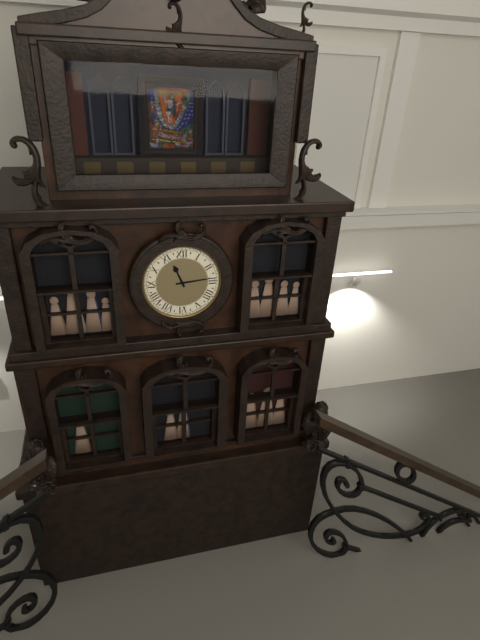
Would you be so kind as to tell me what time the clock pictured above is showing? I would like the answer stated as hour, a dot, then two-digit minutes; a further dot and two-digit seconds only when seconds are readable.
11.14
